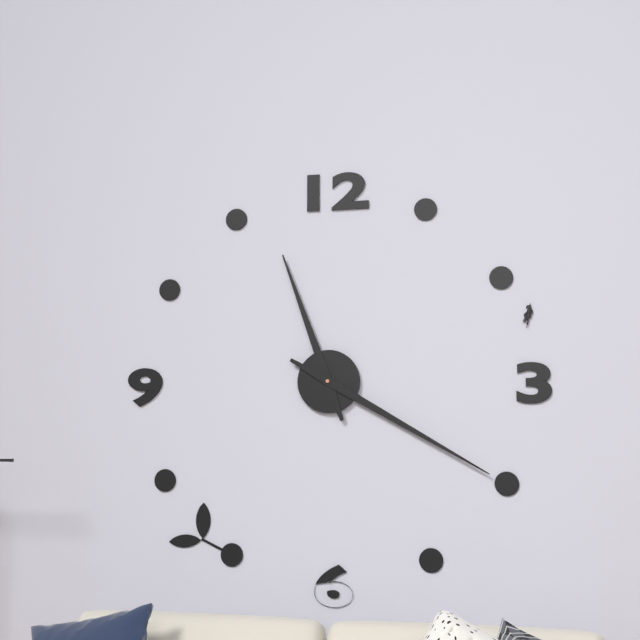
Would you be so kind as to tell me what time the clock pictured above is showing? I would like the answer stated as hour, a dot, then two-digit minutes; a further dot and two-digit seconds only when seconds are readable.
11.20
